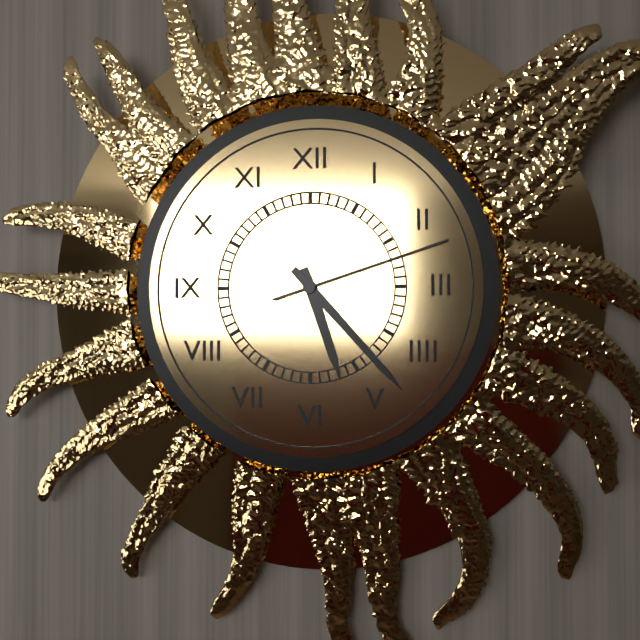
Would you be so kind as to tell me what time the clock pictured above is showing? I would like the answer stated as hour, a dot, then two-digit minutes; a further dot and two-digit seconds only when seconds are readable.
5.23.12
